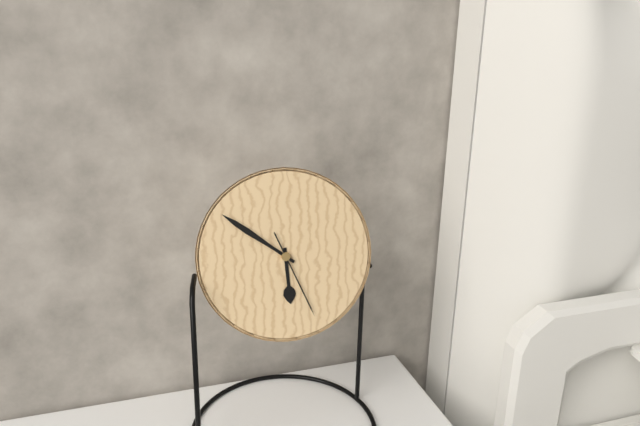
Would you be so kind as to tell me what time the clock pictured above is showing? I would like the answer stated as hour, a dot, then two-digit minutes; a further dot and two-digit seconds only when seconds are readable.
5.51.26
